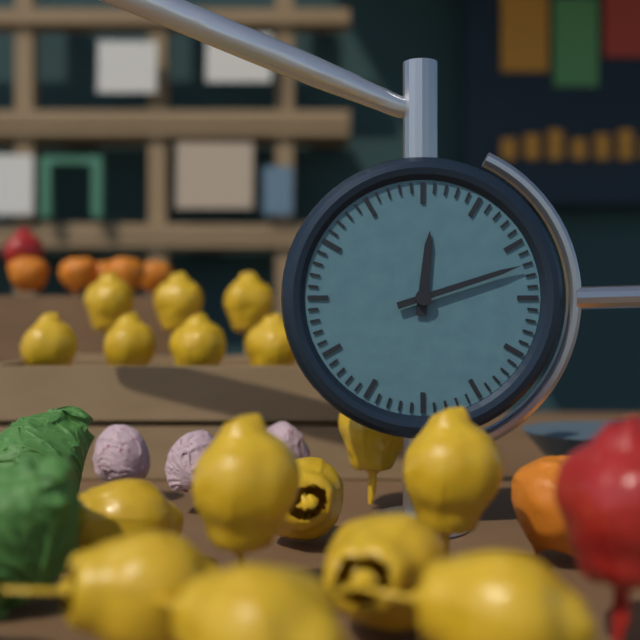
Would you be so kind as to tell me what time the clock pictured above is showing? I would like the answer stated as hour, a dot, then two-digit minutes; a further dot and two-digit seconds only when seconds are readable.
12.12
